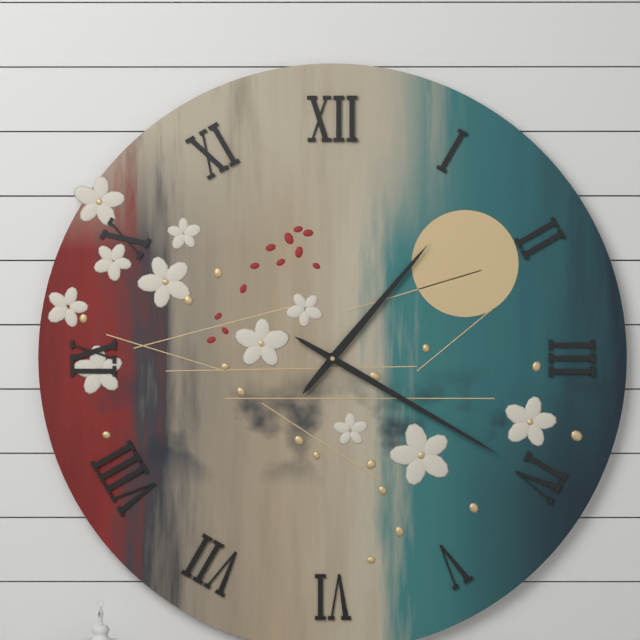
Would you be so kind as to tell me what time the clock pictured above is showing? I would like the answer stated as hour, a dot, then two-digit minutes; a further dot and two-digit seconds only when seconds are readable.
1.20
